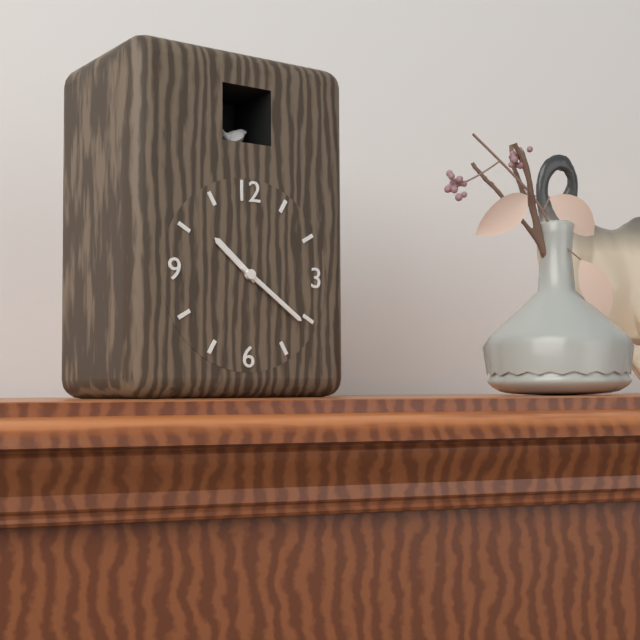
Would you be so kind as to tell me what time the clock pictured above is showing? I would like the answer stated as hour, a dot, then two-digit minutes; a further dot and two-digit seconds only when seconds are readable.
10.21
